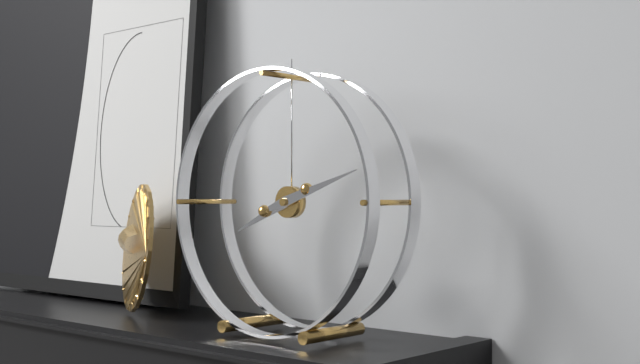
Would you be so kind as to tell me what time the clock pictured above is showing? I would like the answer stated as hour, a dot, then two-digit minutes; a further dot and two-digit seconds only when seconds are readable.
8.12
